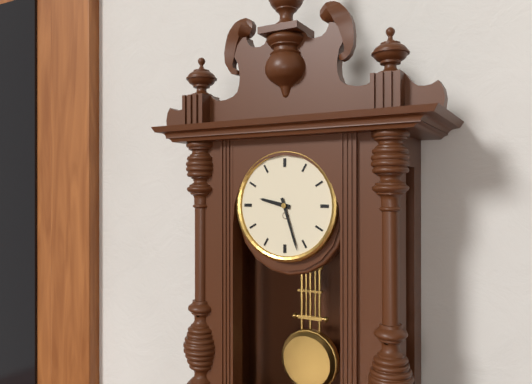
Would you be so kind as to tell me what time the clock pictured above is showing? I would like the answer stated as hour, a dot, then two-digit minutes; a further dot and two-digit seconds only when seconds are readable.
9.27
